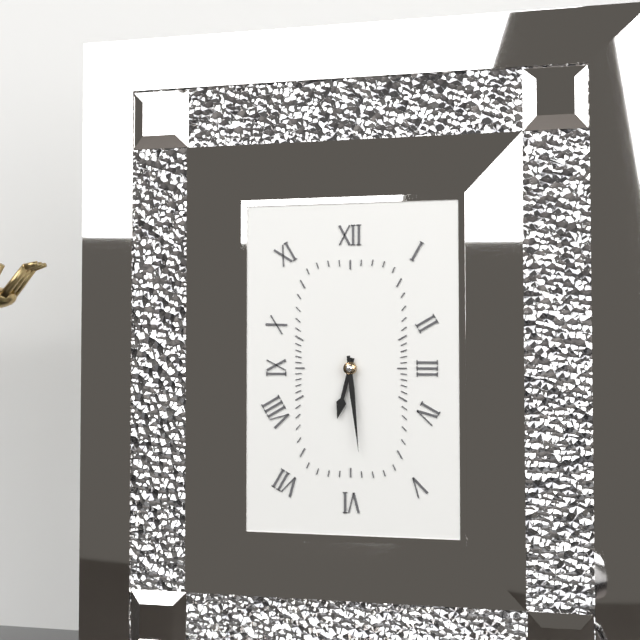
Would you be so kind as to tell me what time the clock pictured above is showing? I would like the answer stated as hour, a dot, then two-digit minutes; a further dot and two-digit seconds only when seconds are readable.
6.29
